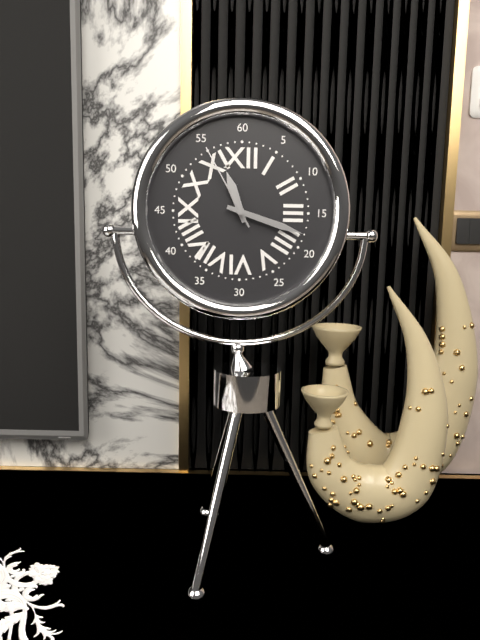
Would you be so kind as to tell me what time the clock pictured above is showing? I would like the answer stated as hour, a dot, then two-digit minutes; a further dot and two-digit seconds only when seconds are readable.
11.18.55
